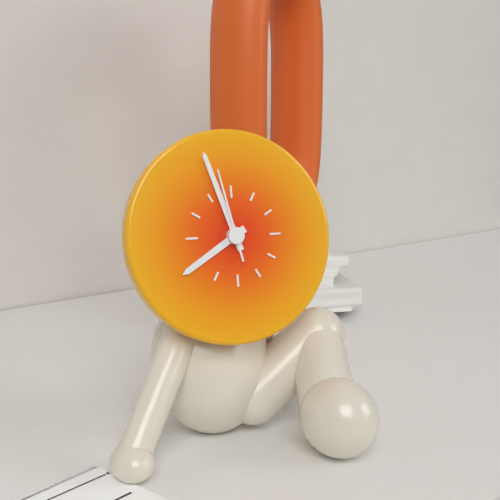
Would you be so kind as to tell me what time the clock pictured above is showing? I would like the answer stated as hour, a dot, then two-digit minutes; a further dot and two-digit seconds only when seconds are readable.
7.57.58
